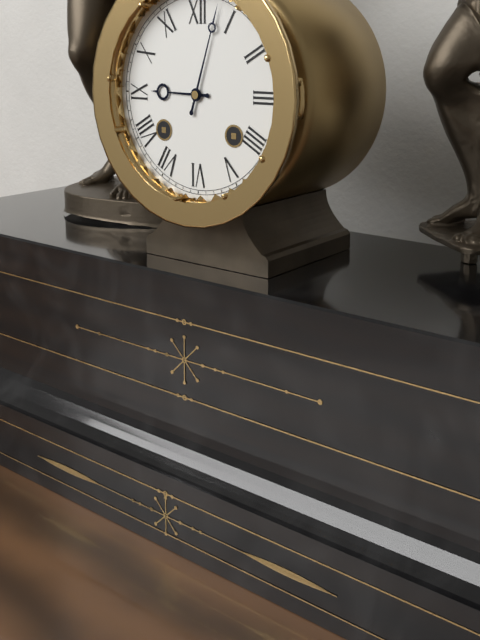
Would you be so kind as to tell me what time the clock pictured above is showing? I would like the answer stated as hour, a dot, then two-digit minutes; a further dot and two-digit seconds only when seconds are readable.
9.03
